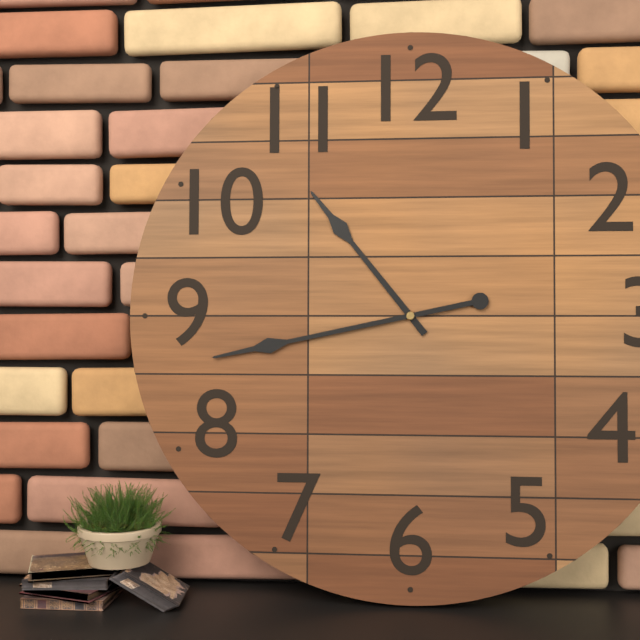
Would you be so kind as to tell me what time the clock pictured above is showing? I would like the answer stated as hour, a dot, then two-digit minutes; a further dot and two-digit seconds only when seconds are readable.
10.43
